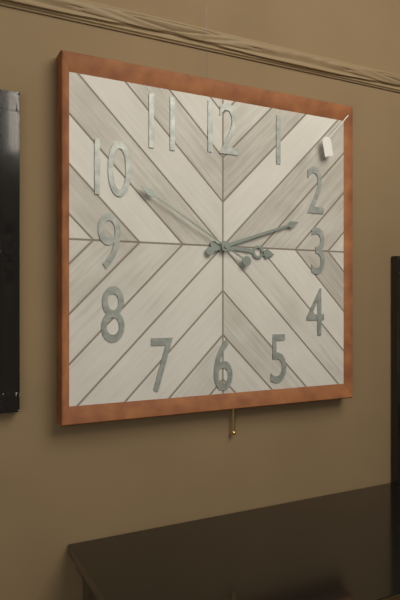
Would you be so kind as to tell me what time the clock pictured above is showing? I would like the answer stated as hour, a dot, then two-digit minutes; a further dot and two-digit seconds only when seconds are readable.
3.12.50
